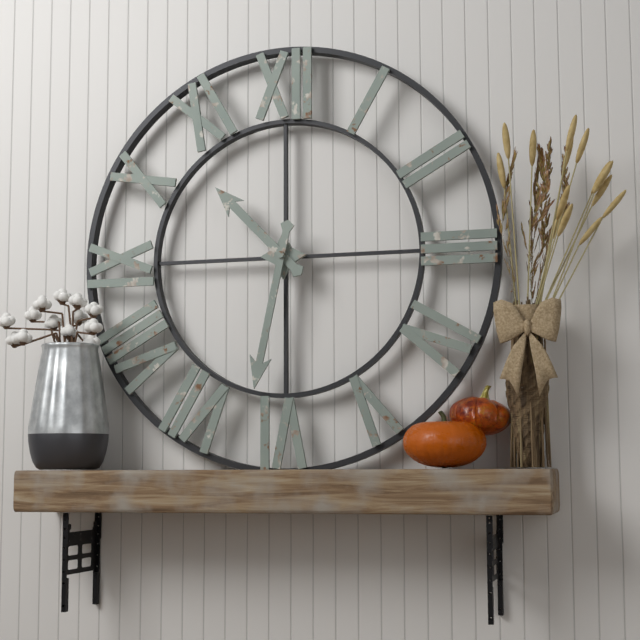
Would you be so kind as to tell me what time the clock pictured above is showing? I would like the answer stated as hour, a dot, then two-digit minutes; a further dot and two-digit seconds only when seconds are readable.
10.32
